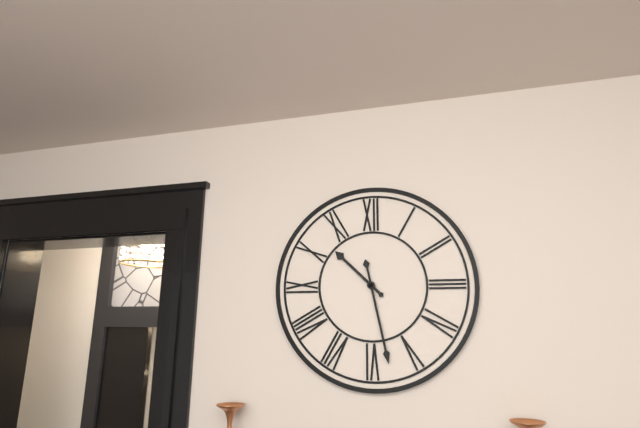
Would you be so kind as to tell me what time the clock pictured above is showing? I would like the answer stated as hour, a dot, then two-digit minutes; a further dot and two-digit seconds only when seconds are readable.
10.28
